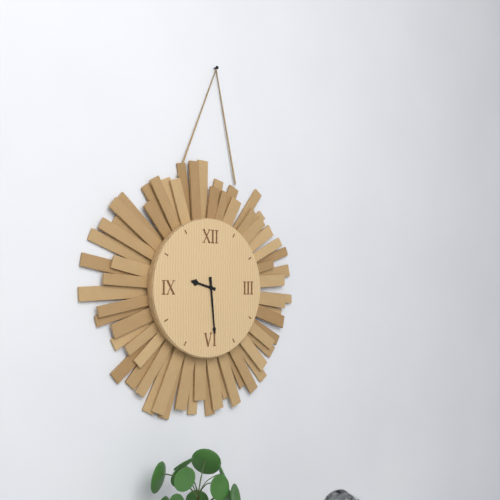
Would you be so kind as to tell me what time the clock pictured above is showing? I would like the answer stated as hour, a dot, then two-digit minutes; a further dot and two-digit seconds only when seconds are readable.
9.29
